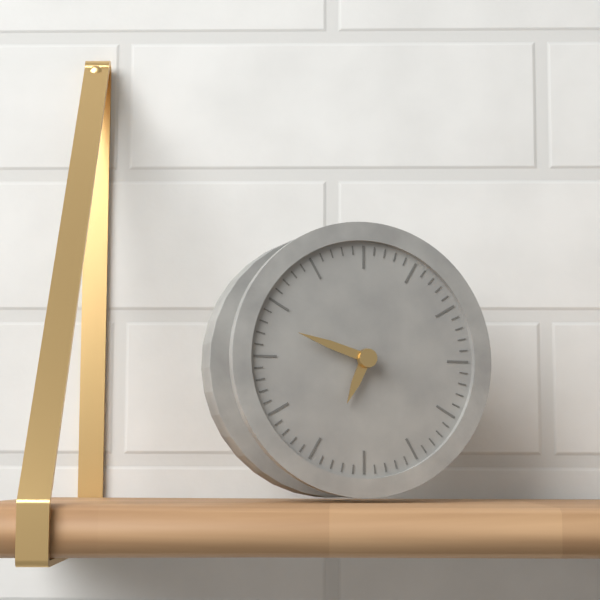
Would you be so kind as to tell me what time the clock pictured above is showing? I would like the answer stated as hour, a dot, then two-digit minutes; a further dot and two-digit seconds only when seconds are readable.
6.48
